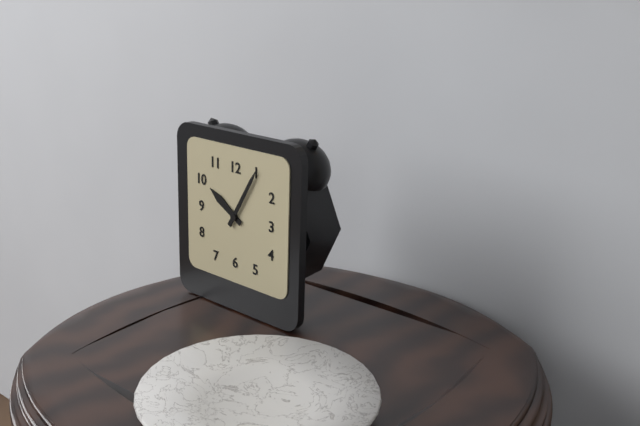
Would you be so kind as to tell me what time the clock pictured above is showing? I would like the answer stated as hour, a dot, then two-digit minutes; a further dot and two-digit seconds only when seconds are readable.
10.05
